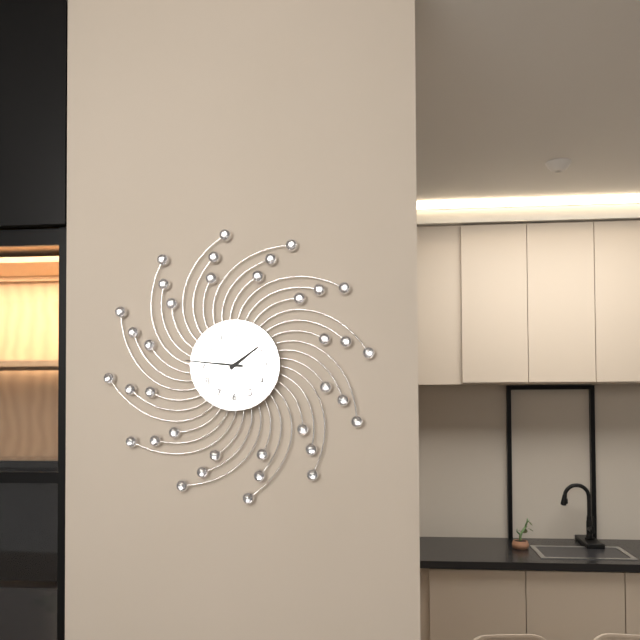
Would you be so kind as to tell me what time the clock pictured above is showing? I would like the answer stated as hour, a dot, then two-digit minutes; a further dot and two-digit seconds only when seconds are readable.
1.46
